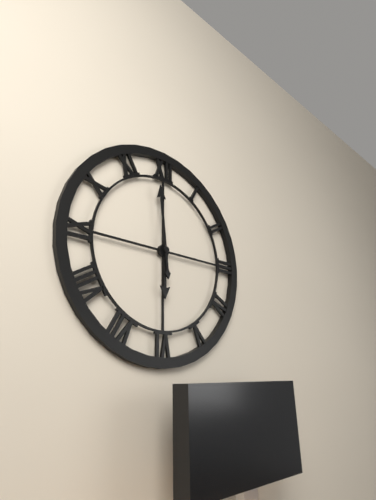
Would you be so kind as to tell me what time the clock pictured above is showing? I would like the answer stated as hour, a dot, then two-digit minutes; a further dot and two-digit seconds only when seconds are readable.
5.59
